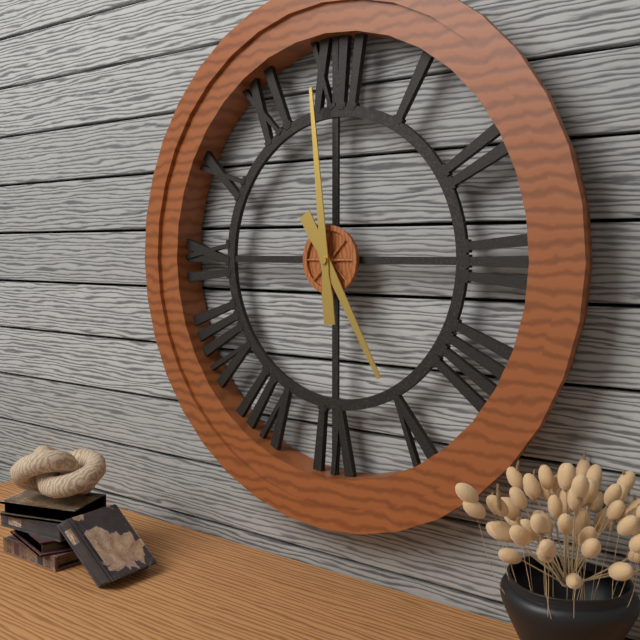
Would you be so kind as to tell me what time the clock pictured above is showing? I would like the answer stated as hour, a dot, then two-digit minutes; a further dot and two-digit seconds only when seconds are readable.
4.59
